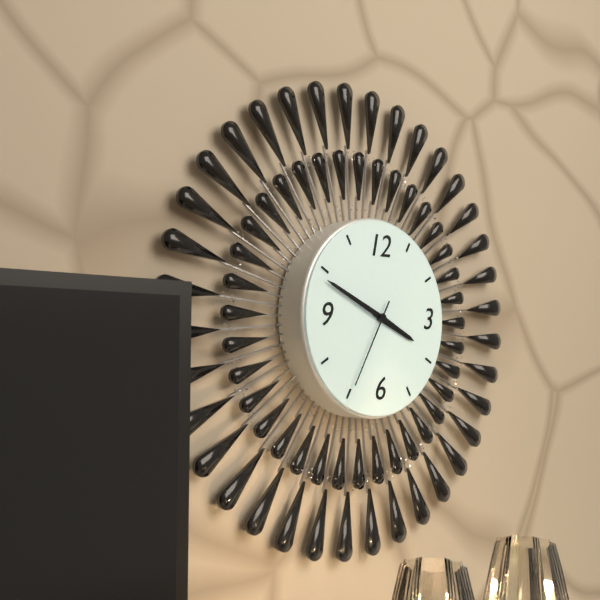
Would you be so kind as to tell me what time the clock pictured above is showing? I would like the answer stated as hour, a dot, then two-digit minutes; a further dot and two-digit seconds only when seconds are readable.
3.49.35
